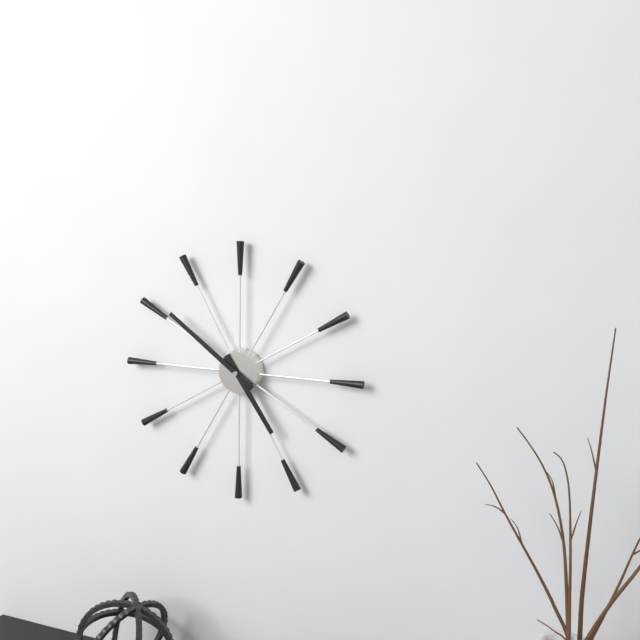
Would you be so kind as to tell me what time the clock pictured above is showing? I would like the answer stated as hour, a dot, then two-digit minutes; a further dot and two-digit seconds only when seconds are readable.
4.51
